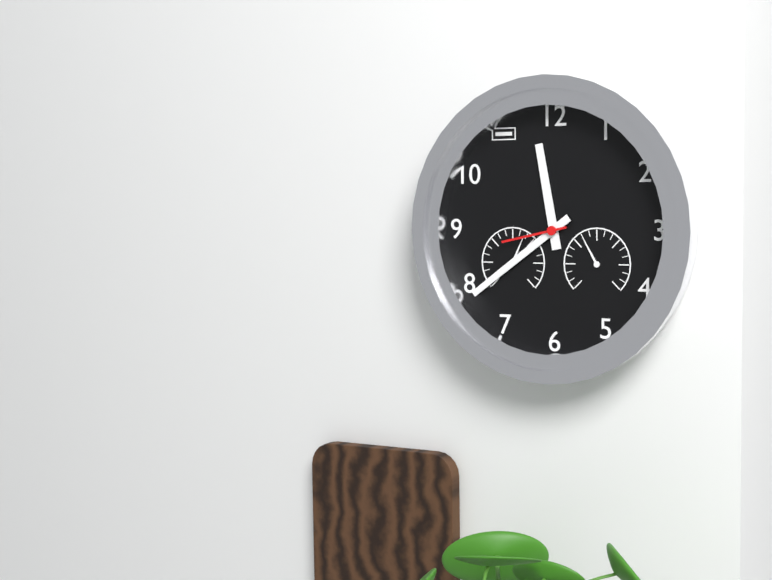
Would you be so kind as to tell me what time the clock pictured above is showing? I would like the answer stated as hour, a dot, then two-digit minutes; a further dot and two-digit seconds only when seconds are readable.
11.39.43
